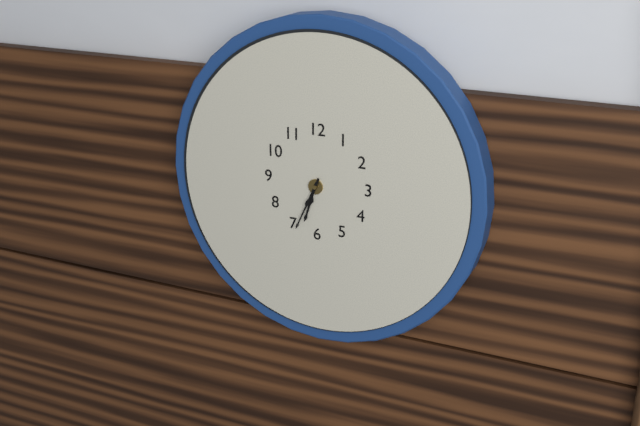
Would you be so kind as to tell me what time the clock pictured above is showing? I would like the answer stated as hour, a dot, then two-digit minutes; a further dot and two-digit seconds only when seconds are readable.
6.34
